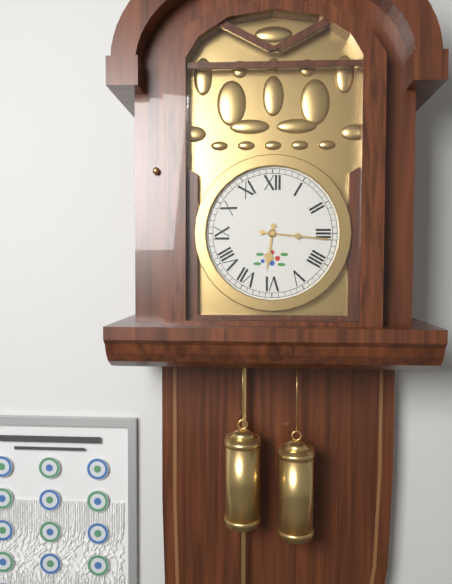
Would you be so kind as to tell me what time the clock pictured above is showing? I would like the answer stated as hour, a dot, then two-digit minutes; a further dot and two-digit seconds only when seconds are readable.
6.16
